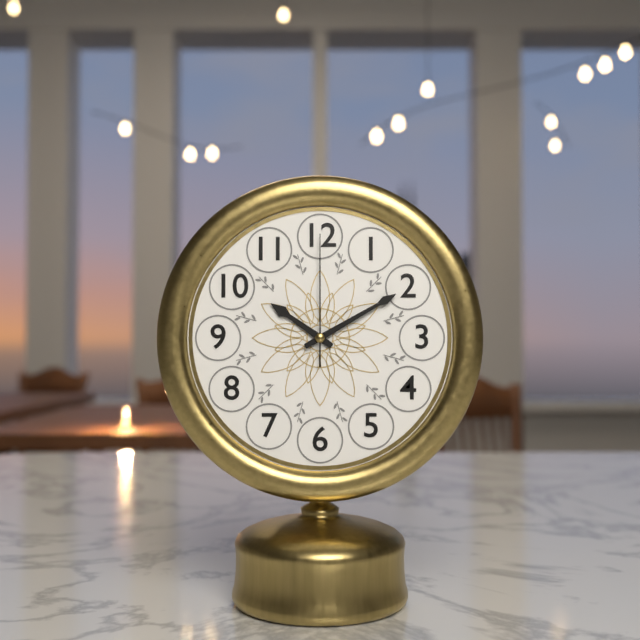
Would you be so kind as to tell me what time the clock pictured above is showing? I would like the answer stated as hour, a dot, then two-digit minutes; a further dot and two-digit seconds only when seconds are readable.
10.10.00
